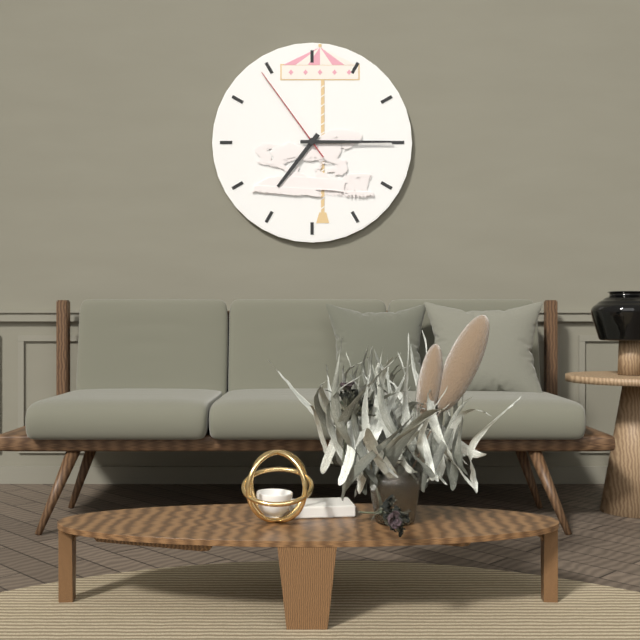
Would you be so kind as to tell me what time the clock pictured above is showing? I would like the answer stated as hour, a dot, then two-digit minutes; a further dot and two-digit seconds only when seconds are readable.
7.15.54
